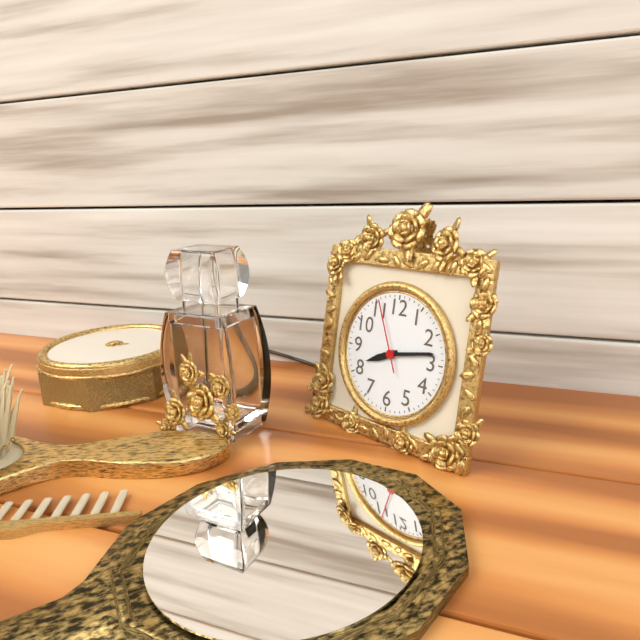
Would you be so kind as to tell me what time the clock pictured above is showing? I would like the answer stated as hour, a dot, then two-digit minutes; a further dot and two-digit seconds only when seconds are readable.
8.13.56
